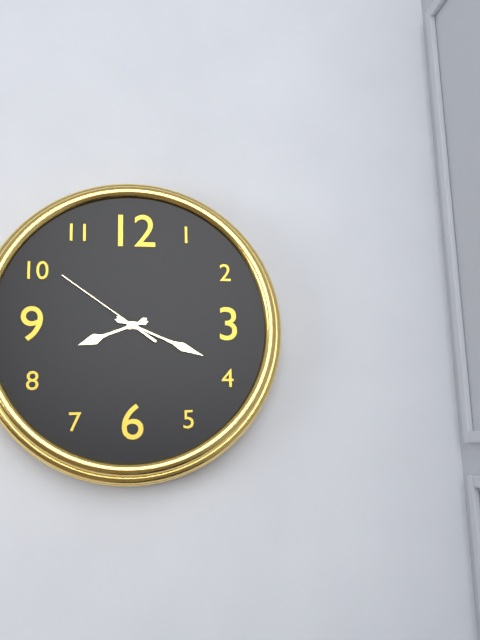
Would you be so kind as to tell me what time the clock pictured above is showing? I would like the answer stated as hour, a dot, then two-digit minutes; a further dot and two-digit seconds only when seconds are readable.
8.19.51
